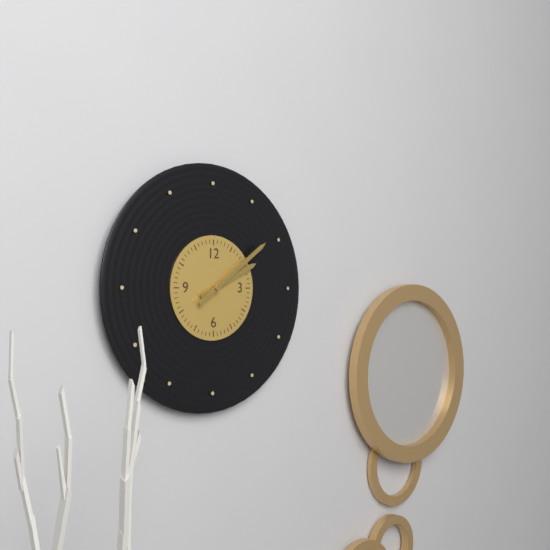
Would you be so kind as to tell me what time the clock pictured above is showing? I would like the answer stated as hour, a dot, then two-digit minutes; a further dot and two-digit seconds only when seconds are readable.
2.09
